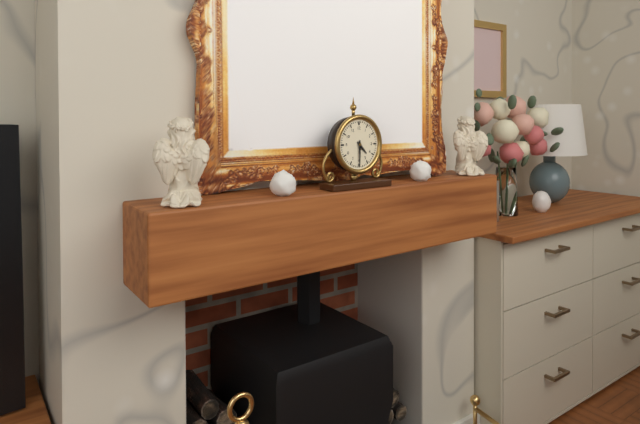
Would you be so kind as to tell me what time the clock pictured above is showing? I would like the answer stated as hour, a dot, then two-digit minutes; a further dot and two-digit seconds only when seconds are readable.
4.30
